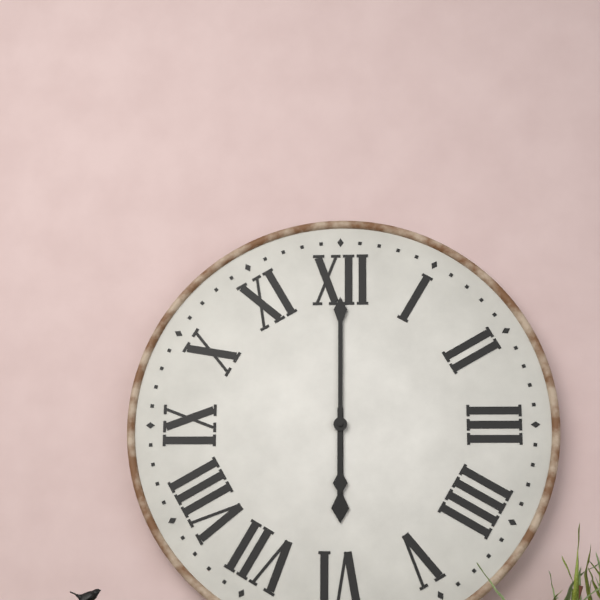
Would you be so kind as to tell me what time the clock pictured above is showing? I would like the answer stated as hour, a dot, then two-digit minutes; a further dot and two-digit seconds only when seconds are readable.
6.00
